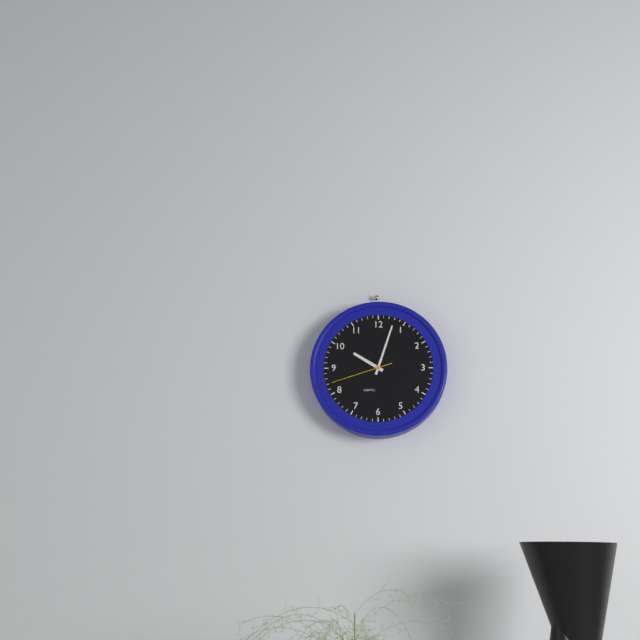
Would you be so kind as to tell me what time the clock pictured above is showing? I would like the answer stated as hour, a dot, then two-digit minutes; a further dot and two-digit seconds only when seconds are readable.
10.03.42
